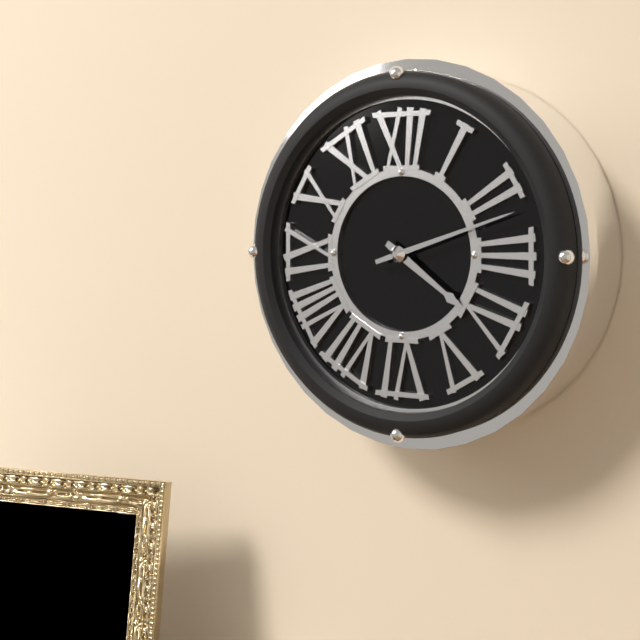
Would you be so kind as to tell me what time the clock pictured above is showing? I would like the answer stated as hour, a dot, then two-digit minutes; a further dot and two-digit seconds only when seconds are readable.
4.12
